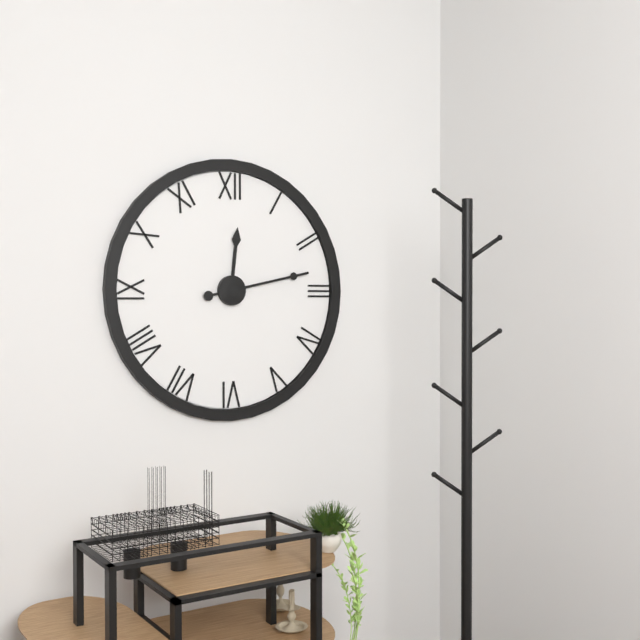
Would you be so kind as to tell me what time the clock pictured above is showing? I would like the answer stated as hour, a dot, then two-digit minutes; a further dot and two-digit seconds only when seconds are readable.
12.13
